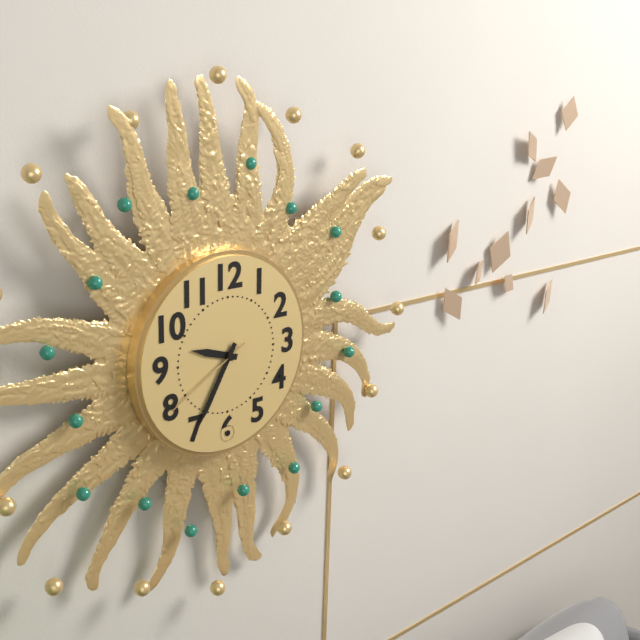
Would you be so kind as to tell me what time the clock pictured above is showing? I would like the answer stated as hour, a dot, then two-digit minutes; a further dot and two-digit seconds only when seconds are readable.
9.35.40
